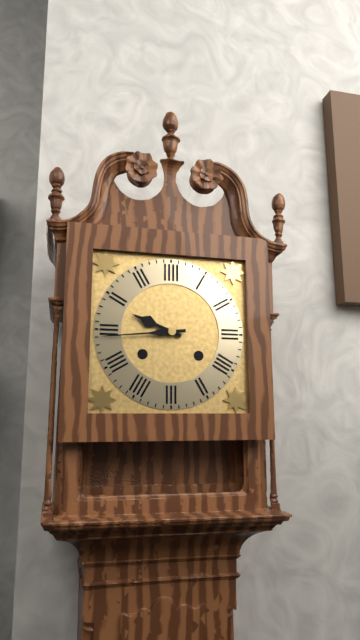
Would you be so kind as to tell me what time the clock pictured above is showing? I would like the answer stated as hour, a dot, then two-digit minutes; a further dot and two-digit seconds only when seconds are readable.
9.44
